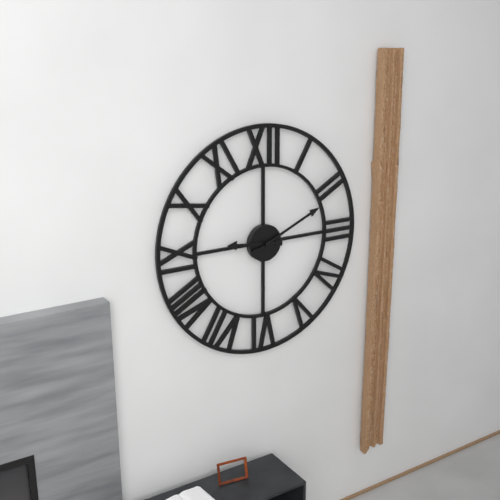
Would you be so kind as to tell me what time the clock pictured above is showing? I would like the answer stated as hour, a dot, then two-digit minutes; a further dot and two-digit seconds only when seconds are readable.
9.11
